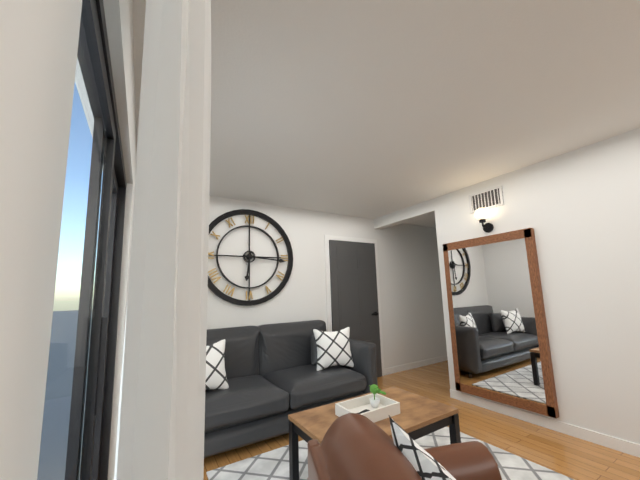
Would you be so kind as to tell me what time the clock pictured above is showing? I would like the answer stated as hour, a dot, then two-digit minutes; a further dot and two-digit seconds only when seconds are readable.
6.16
